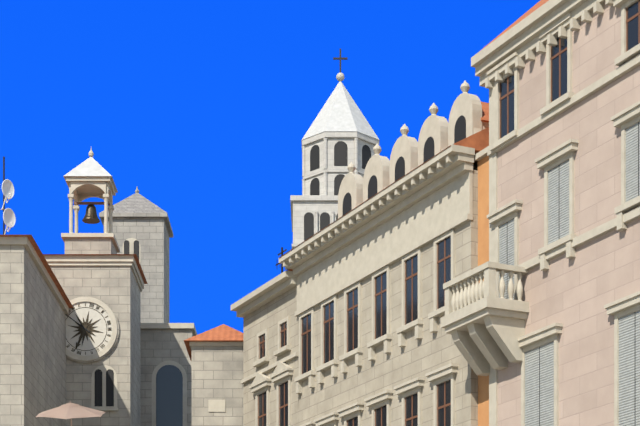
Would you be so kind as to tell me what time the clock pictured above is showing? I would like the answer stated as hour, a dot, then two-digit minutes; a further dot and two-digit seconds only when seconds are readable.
6.51
